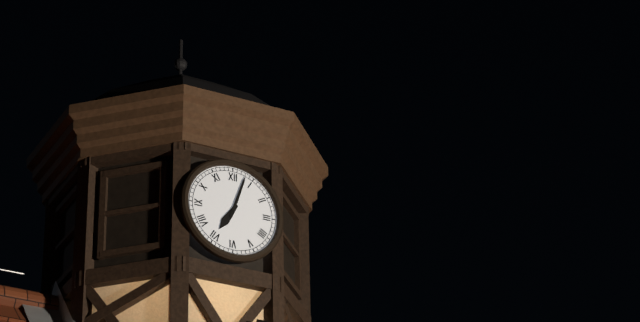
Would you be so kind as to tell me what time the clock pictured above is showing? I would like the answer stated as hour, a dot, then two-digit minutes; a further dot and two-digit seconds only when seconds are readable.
7.03
